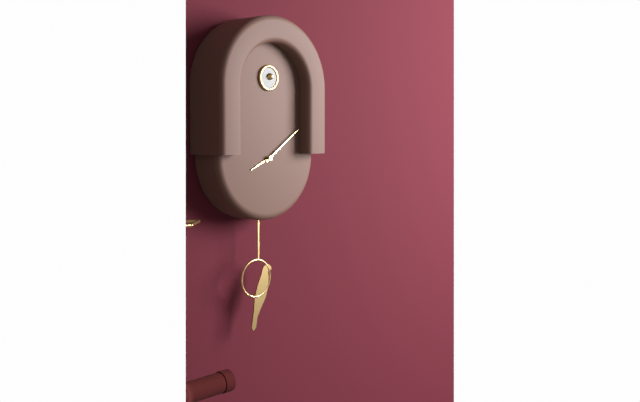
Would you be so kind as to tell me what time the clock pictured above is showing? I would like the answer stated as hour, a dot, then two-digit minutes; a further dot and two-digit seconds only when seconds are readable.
8.09
